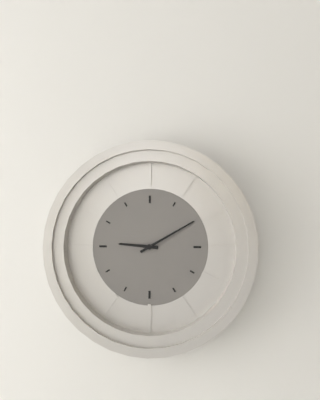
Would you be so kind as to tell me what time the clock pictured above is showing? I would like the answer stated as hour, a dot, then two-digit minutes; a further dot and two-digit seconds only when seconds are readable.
9.10
